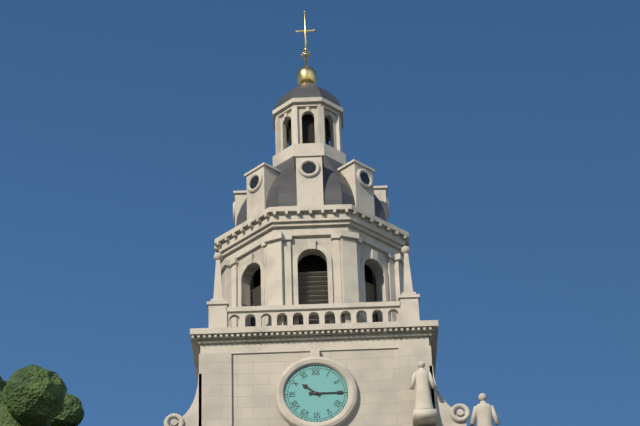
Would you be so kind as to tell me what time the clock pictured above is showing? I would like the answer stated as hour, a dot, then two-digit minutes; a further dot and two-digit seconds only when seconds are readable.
10.15
